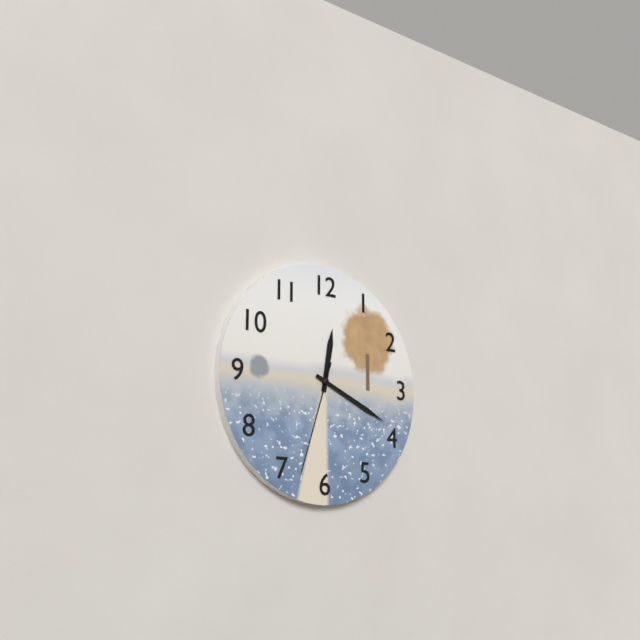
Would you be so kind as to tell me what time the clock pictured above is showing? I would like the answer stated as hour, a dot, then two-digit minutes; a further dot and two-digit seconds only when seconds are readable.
12.19.33
